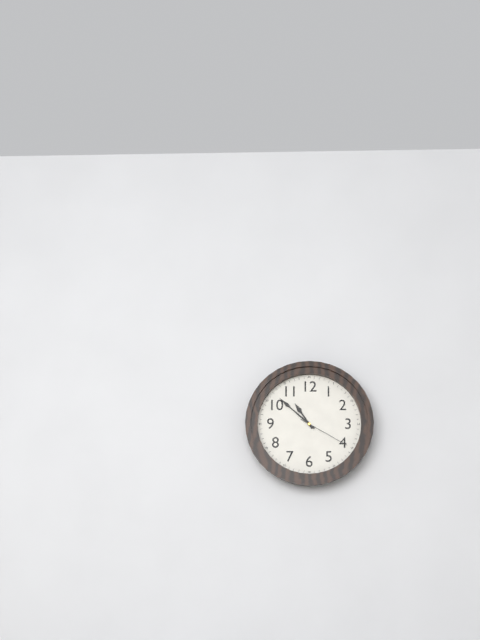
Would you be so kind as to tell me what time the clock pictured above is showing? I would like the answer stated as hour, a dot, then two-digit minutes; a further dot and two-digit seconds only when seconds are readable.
10.52.20
